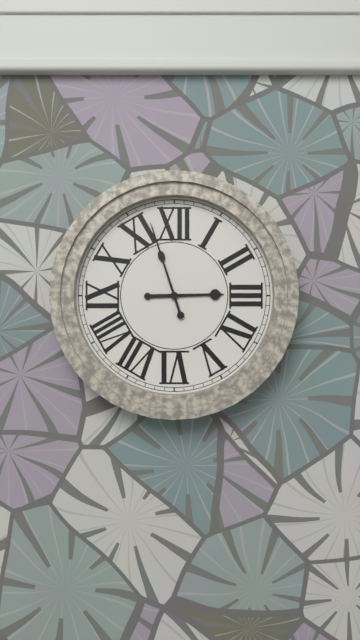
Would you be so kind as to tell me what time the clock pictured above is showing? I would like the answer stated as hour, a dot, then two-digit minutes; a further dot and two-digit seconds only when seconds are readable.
2.57
